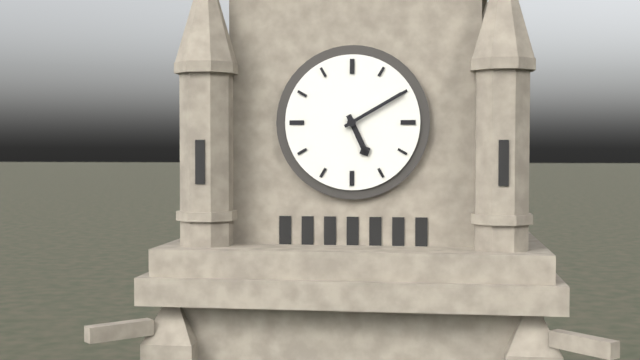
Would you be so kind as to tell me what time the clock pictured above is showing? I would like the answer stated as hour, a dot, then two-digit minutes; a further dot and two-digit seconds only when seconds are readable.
5.10
